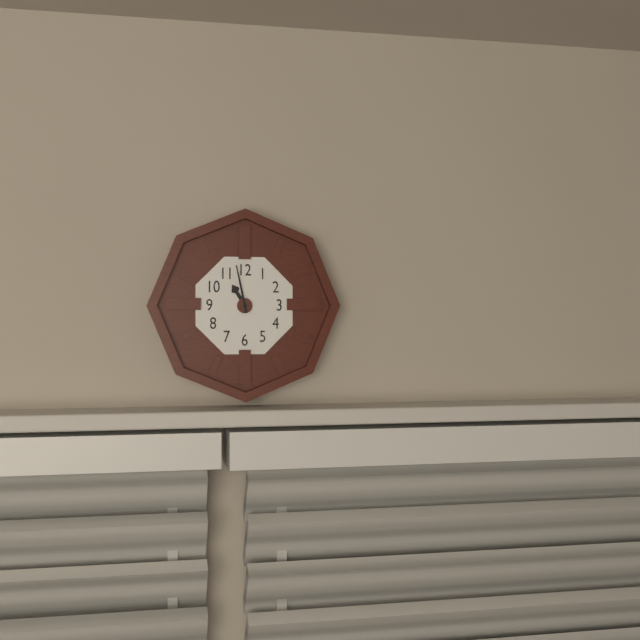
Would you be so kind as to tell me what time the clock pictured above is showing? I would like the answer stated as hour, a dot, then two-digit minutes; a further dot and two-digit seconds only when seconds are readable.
10.58
